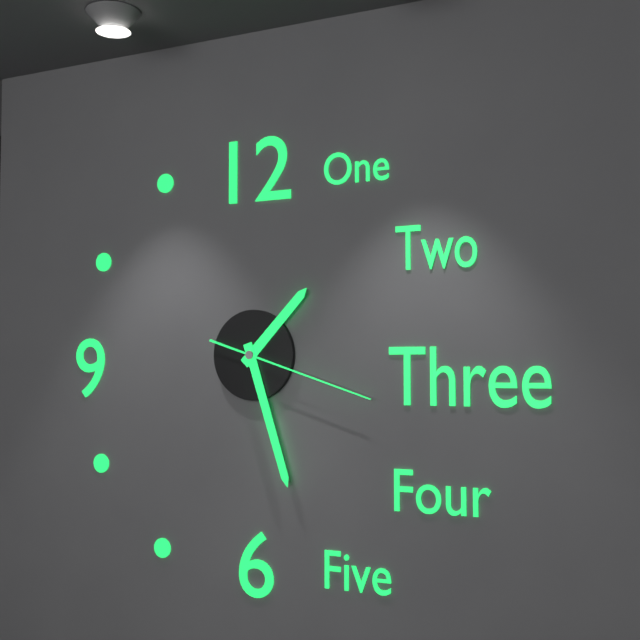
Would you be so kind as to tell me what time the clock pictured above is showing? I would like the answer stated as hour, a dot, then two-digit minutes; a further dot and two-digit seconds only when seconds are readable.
1.27.18
